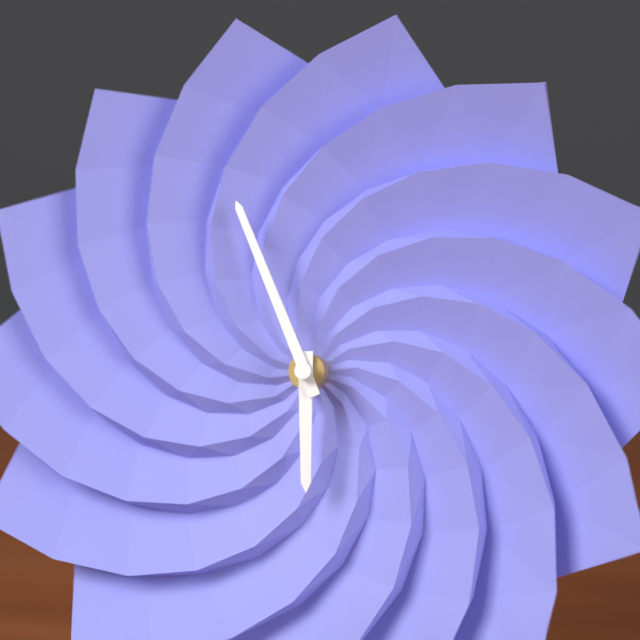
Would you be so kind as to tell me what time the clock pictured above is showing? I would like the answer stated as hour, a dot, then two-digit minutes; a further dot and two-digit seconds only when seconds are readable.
5.56
